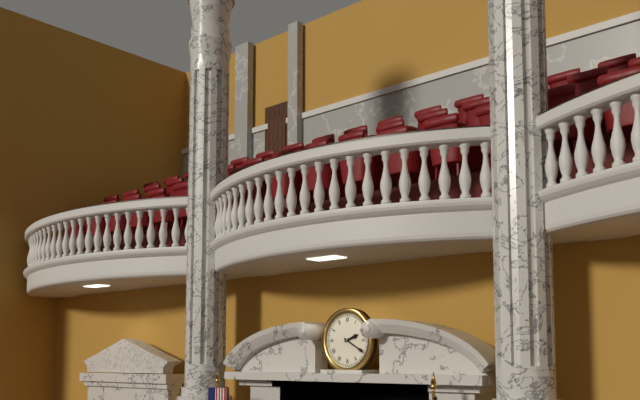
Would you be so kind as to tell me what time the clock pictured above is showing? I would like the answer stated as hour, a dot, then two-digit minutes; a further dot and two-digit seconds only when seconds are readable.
2.20
